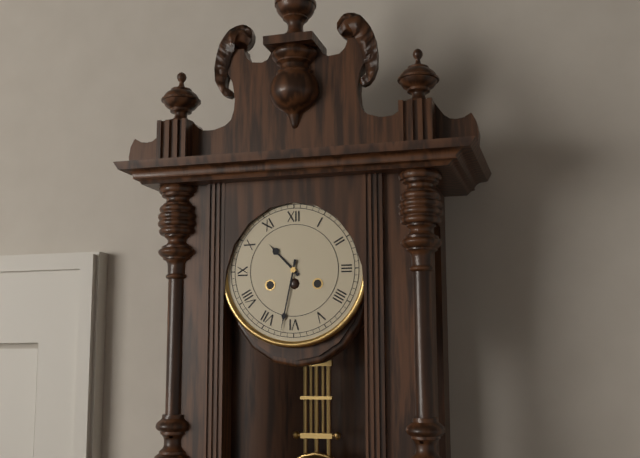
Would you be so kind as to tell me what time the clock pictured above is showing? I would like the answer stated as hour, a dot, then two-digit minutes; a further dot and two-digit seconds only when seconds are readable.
10.32
